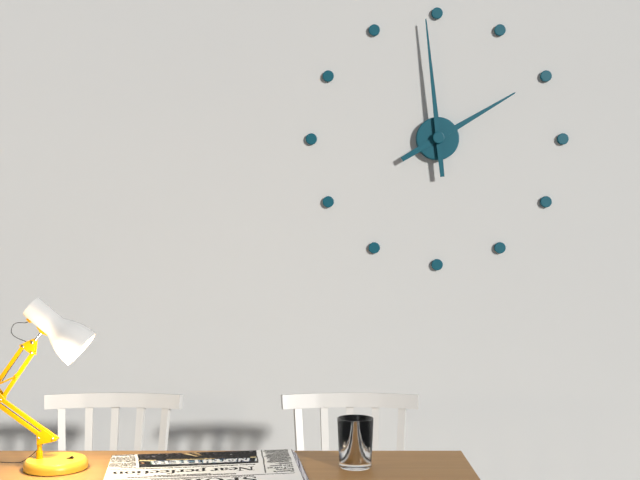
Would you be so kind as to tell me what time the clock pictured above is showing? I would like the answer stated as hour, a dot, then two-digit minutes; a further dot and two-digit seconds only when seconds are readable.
1.59
